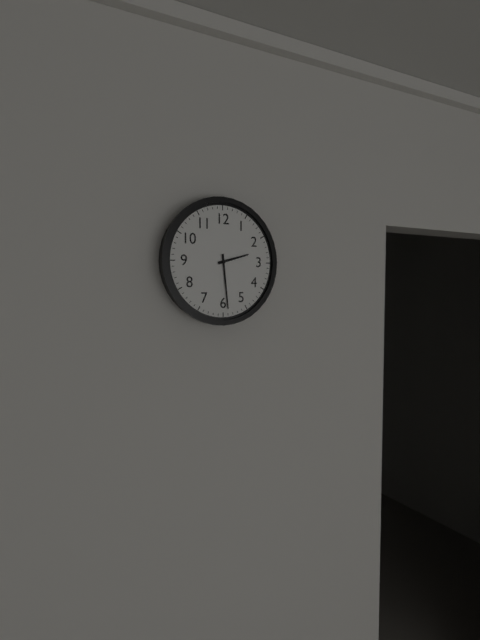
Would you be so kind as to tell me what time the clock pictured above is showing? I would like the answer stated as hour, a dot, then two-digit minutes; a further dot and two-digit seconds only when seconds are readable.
2.29
